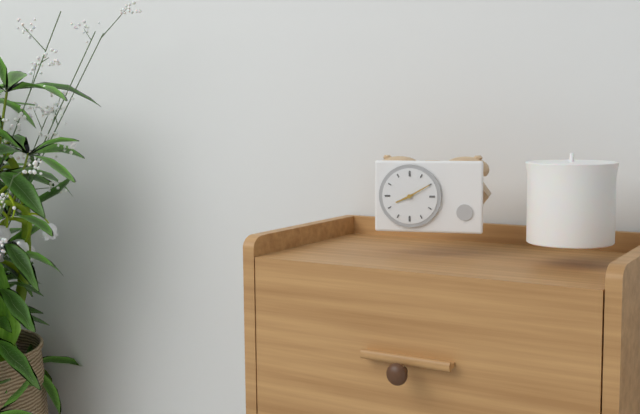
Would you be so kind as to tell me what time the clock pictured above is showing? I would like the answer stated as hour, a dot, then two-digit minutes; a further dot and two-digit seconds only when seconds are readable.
8.10
